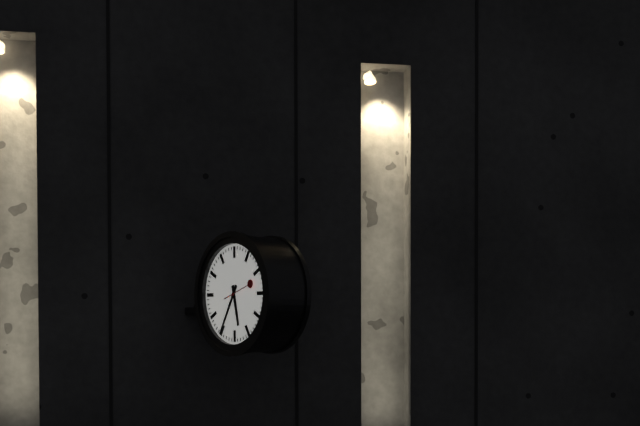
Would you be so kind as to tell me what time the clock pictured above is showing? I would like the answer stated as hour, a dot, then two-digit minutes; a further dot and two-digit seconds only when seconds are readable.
5.35
